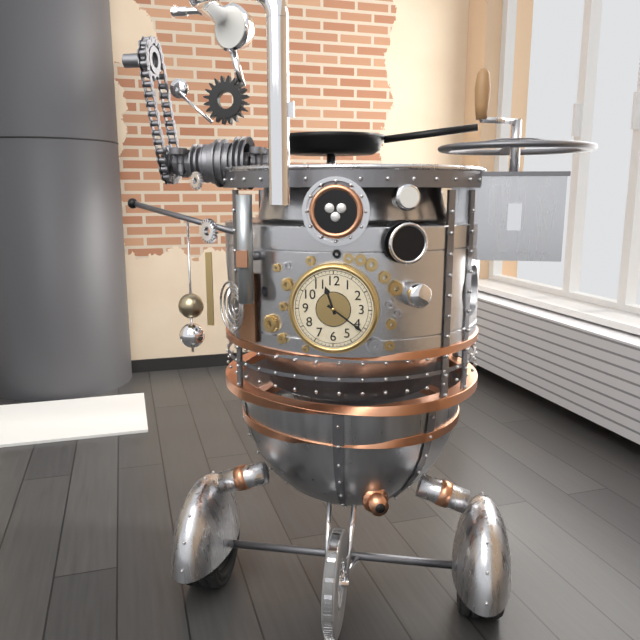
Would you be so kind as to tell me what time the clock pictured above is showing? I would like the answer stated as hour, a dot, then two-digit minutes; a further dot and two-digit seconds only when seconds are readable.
11.21
